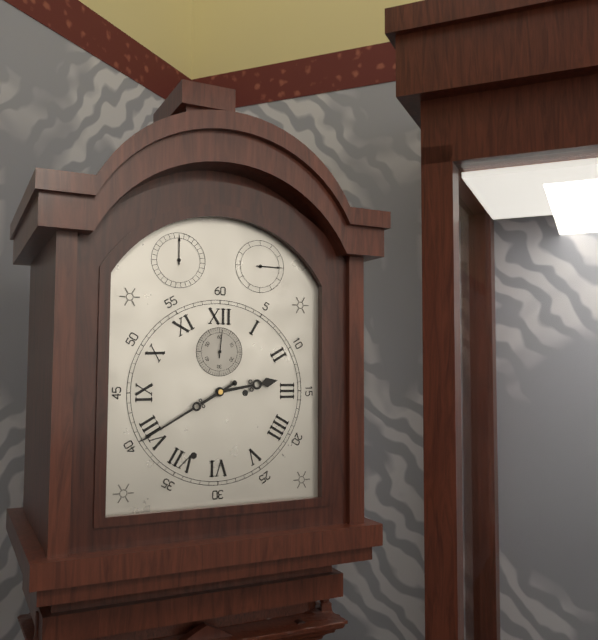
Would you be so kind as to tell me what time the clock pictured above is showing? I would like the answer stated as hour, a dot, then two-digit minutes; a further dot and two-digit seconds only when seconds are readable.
2.40
